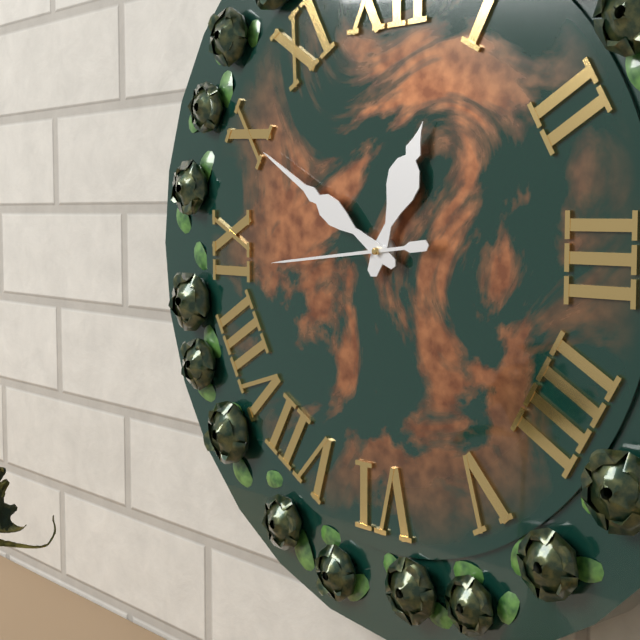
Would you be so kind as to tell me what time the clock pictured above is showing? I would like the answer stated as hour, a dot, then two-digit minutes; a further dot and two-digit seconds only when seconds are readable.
12.50.44
